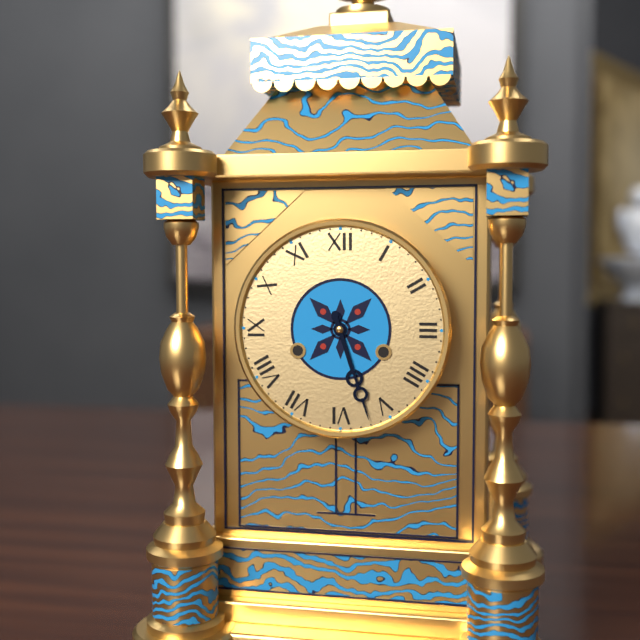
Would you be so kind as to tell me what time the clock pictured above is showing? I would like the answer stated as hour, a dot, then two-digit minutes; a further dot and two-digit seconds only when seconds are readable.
5.27
